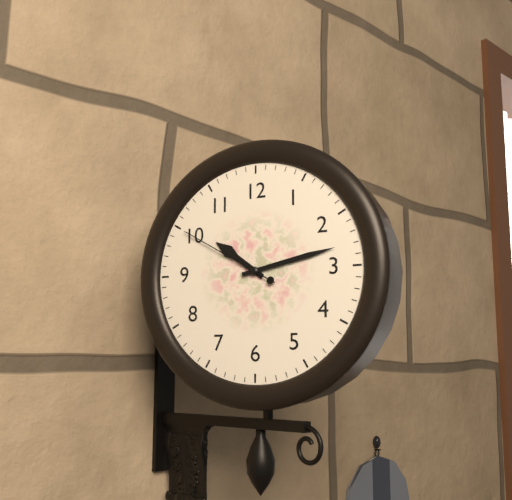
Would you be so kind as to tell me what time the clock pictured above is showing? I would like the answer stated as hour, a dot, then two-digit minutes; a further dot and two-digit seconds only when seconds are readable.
10.13.50
